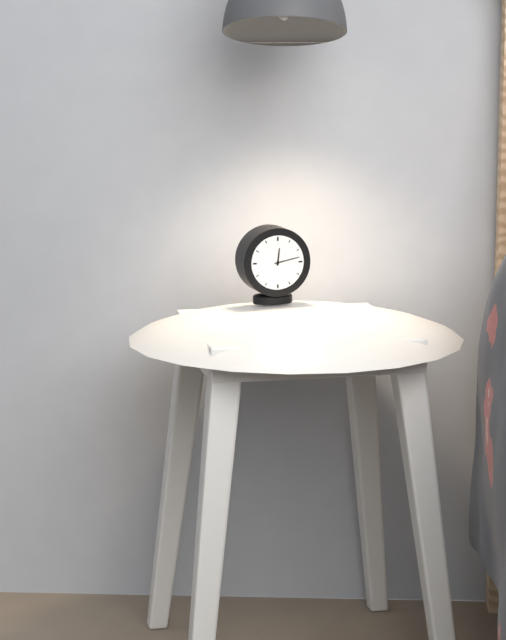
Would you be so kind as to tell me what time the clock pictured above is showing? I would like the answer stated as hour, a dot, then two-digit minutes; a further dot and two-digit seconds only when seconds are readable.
12.13
